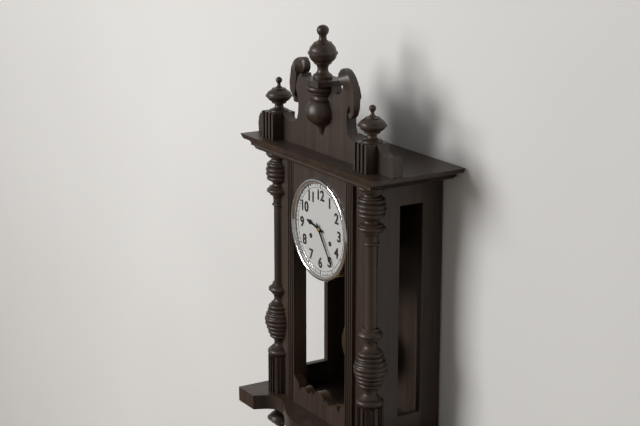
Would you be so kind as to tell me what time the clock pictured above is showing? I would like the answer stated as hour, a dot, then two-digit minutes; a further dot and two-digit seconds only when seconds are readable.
9.24
